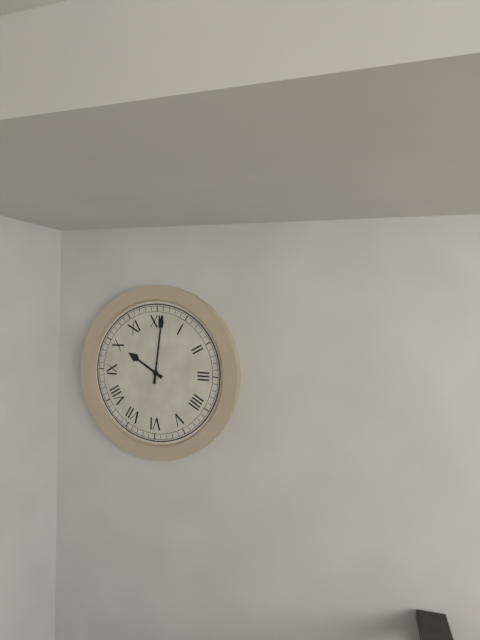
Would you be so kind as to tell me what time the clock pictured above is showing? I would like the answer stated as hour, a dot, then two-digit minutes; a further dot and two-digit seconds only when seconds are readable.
10.01
